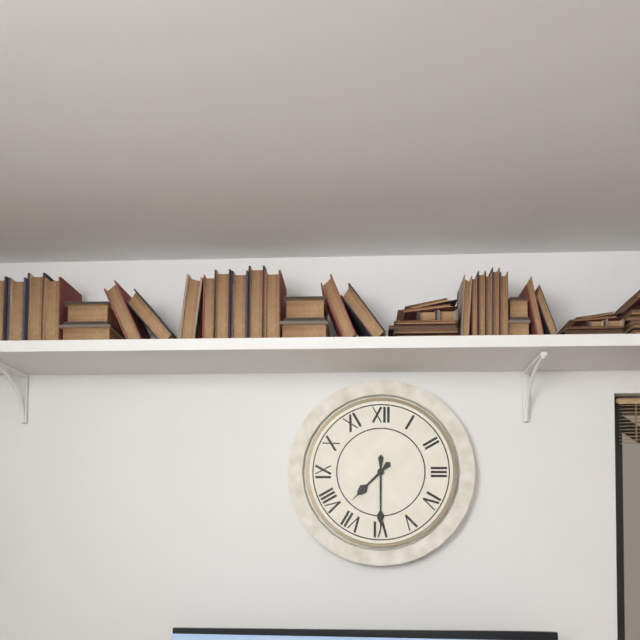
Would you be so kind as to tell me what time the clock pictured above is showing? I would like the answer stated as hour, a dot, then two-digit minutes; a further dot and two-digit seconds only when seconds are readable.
7.30
